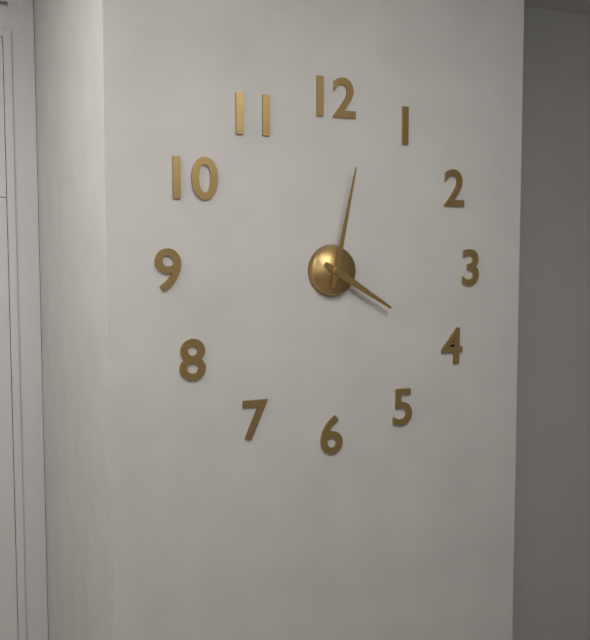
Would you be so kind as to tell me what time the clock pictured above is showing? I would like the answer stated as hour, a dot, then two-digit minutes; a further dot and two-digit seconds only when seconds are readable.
4.02
